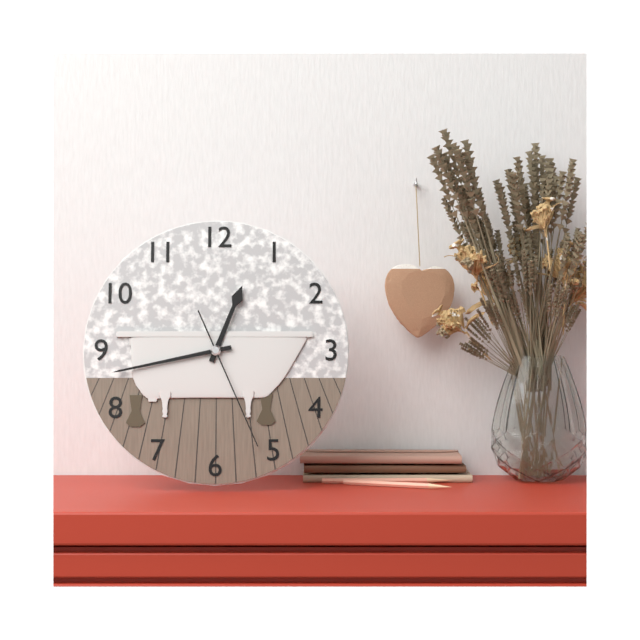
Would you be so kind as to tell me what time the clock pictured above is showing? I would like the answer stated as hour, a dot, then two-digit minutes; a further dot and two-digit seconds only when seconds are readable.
12.43.26
